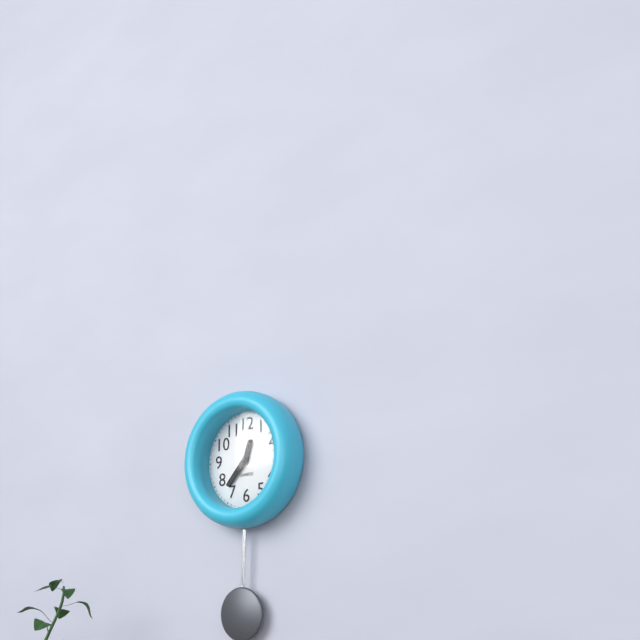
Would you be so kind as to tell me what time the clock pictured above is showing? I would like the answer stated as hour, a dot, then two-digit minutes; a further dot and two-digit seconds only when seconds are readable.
12.37
